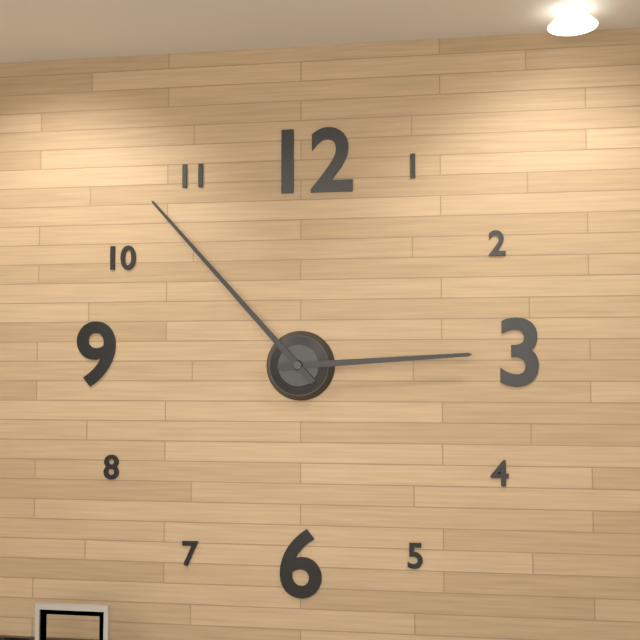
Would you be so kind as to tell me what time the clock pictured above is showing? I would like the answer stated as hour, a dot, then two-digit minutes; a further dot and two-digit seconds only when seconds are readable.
2.53
